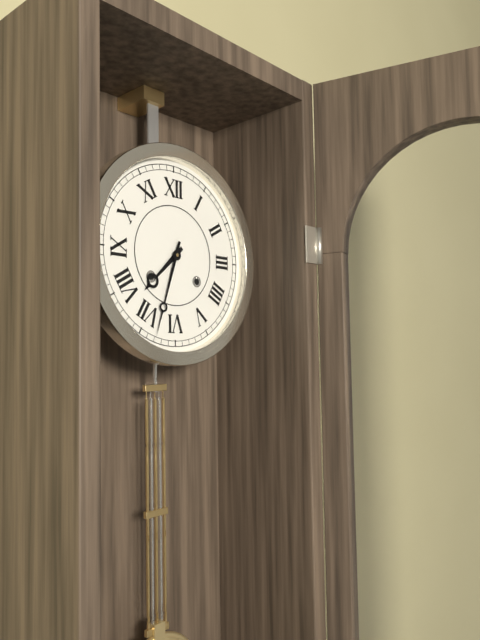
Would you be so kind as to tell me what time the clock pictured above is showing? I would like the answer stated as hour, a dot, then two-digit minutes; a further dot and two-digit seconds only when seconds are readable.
7.33
